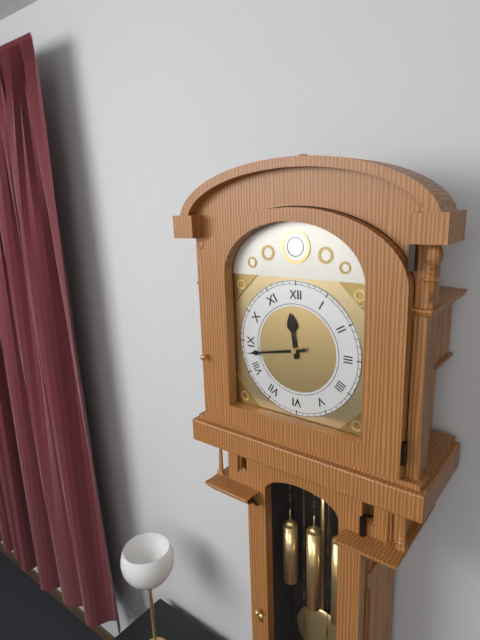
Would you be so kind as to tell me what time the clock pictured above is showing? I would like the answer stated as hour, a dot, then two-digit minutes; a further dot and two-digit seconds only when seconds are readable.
11.43
